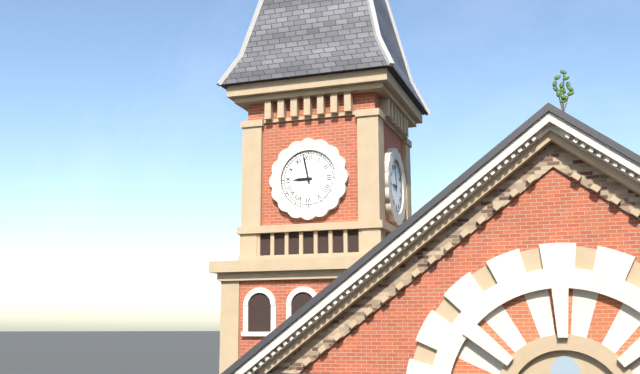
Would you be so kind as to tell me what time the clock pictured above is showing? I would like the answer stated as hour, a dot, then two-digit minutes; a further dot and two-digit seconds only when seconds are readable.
8.58
